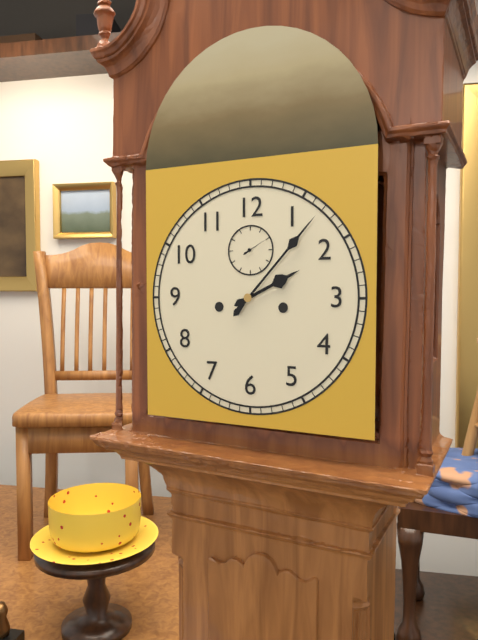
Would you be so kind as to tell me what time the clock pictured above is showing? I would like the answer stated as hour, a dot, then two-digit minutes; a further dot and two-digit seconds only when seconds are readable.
2.07
